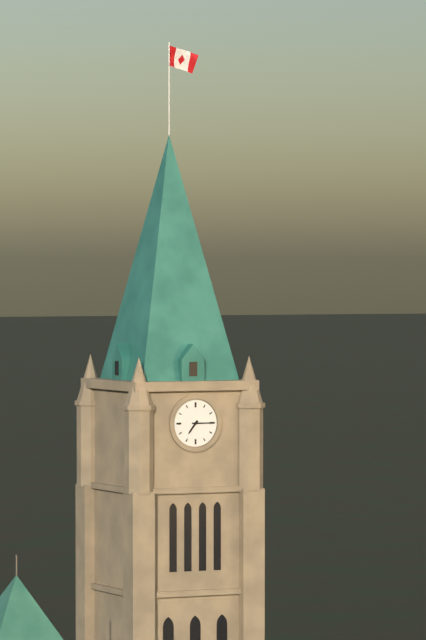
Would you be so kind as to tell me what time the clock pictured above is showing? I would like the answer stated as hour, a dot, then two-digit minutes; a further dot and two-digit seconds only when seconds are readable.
7.15
